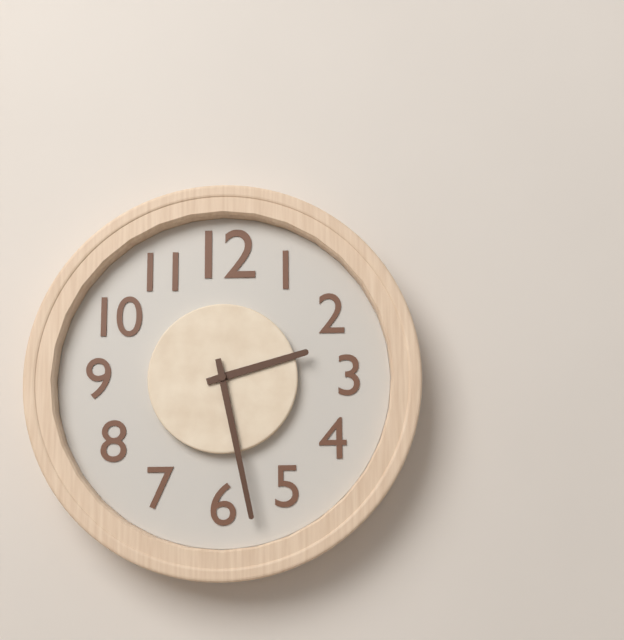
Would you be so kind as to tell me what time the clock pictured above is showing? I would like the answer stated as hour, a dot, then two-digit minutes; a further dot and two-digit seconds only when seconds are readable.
2.28
